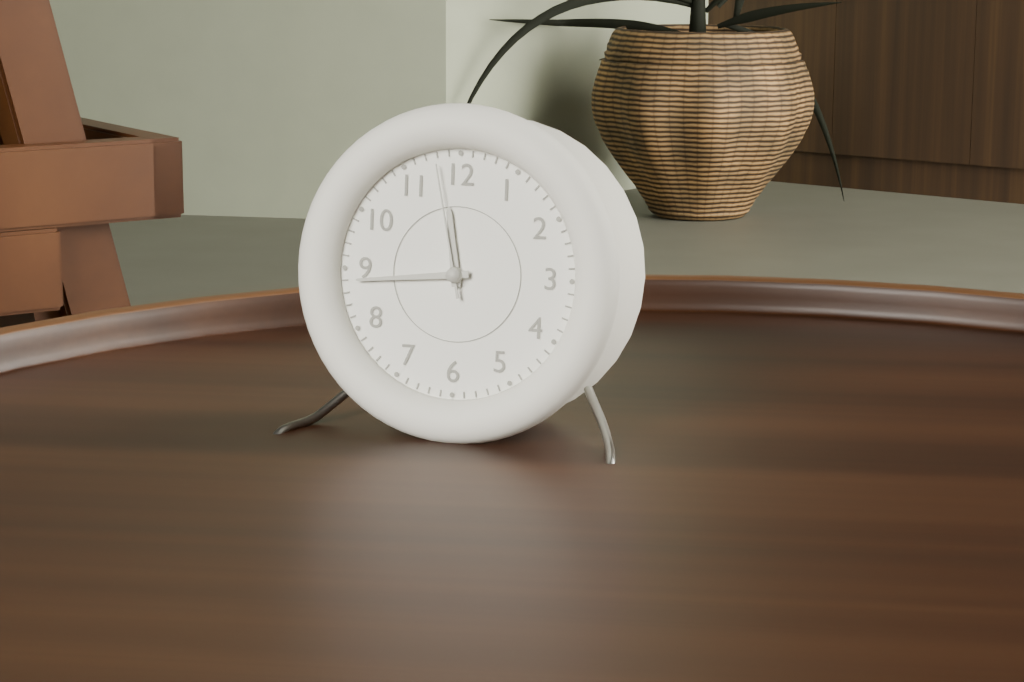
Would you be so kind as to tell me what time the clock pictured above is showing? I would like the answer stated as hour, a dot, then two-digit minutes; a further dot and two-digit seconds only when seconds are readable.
11.44.58
